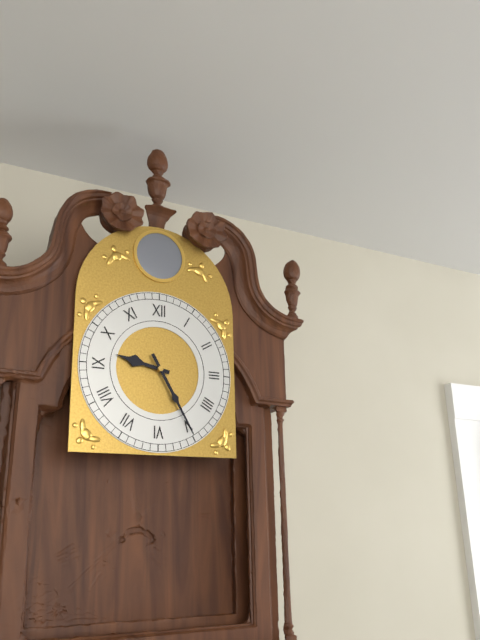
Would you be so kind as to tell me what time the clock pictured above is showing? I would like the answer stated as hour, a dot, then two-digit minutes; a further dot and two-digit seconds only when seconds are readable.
9.25
